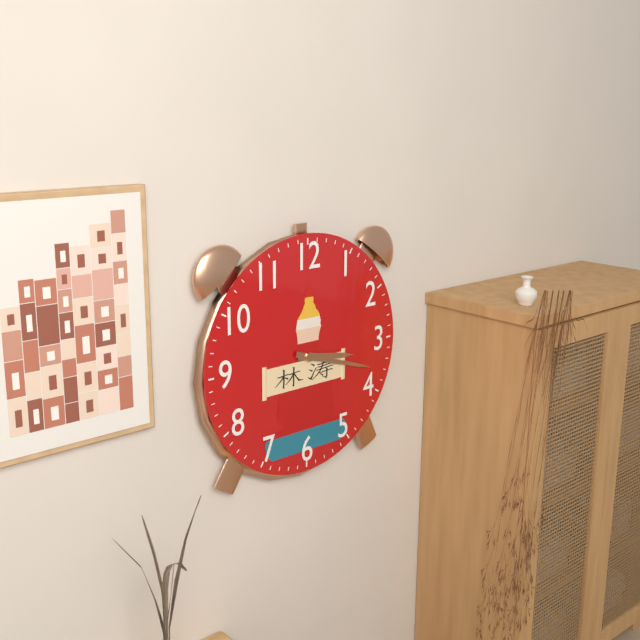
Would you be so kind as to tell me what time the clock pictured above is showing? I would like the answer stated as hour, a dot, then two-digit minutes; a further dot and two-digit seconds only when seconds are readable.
3.18
